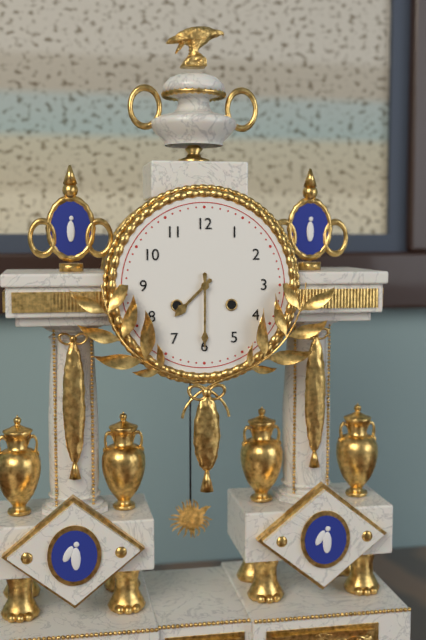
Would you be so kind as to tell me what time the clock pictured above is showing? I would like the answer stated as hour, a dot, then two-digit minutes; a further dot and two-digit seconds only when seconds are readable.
7.30
